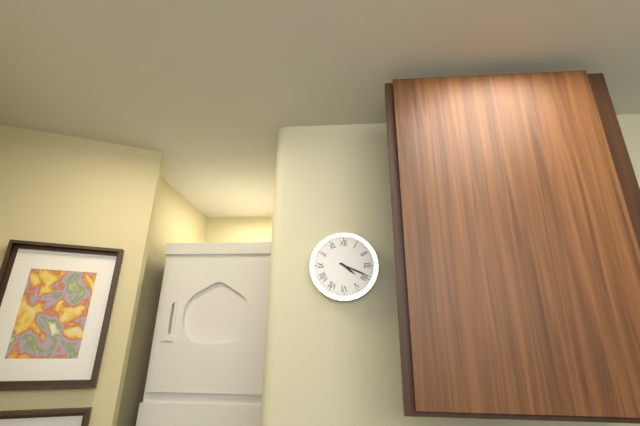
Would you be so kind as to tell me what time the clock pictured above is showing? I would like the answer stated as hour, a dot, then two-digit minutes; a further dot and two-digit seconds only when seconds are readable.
4.19
